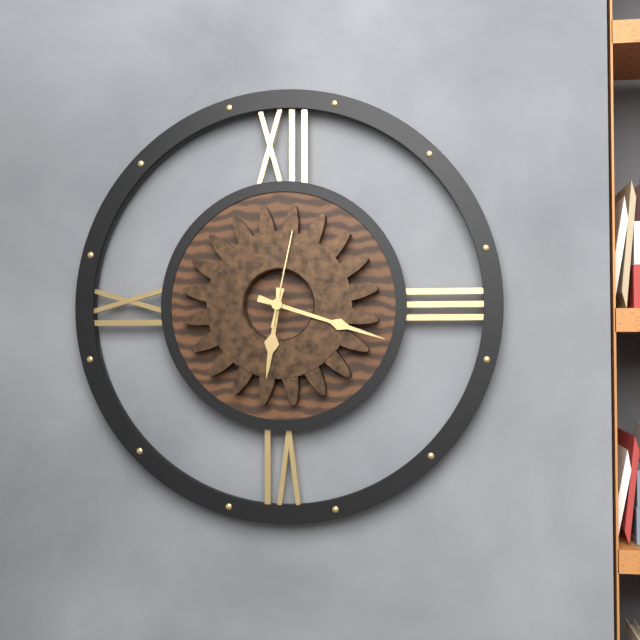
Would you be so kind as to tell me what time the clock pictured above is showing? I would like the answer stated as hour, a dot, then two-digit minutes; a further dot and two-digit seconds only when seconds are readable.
6.18.02
